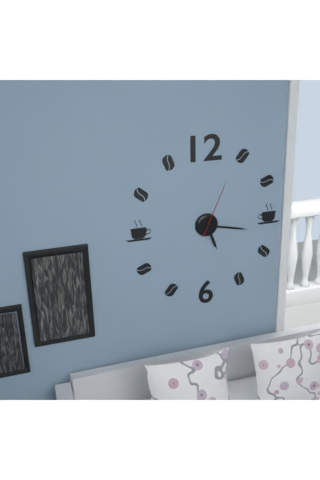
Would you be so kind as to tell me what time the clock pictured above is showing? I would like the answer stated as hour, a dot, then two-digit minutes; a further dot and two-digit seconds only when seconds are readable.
5.17.04
